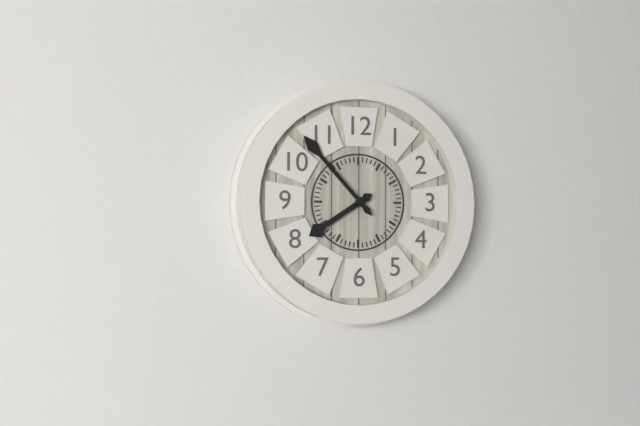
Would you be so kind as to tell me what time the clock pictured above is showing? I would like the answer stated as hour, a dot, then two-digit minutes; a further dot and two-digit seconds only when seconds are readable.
7.53
